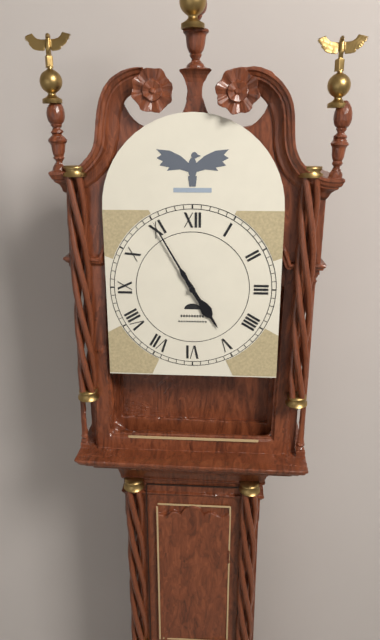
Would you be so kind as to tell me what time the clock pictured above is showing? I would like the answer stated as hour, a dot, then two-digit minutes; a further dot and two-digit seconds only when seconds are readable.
4.55
